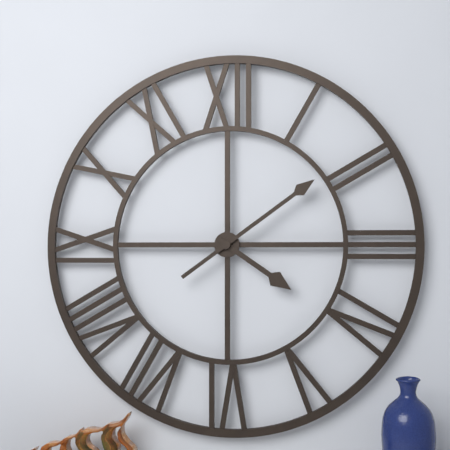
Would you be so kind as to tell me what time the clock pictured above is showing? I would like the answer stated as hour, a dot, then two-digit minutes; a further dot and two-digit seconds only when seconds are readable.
4.09
